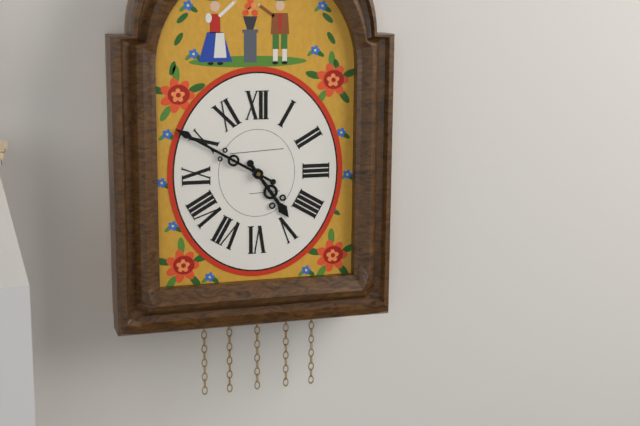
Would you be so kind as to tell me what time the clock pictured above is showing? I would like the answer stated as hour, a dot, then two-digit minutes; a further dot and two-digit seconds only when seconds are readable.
4.50
